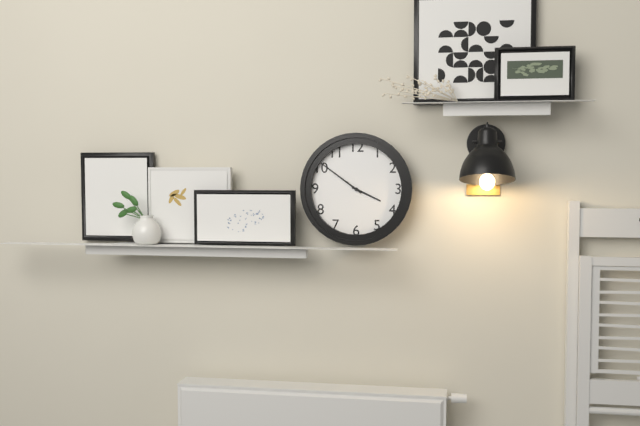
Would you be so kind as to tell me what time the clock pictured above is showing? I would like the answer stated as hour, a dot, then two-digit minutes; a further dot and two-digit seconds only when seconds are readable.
3.51
